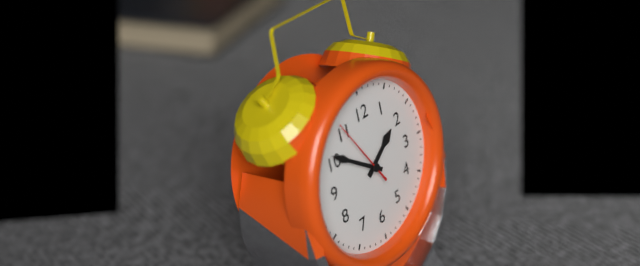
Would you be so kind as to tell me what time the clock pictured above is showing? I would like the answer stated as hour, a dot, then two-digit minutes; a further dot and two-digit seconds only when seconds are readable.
1.51.55
